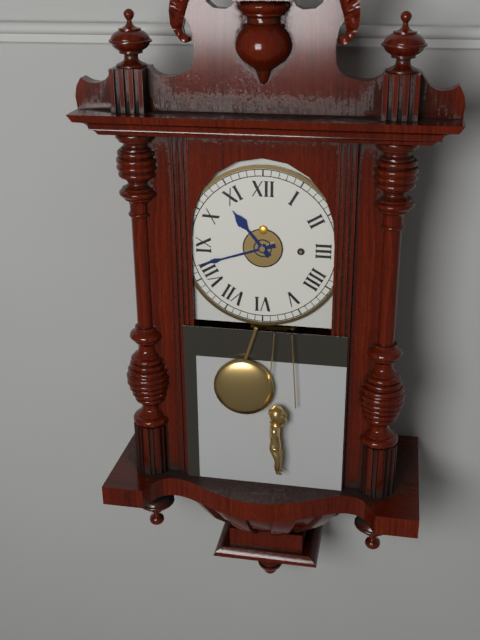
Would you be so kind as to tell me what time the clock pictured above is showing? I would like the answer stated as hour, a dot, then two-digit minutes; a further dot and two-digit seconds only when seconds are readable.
10.42
